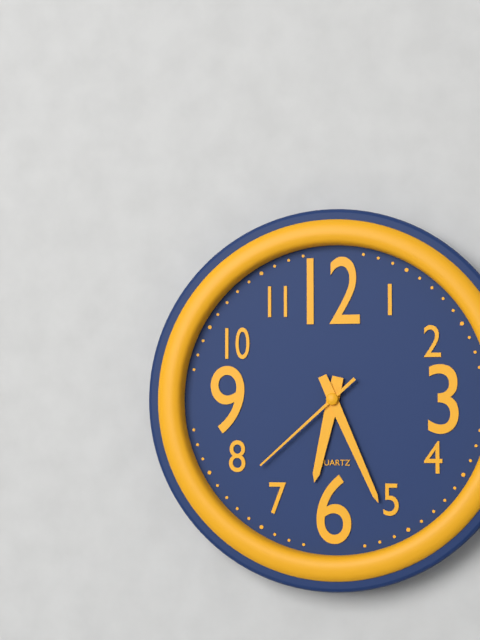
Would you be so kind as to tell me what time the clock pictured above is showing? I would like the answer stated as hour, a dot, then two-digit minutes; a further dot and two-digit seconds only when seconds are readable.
6.26.38
